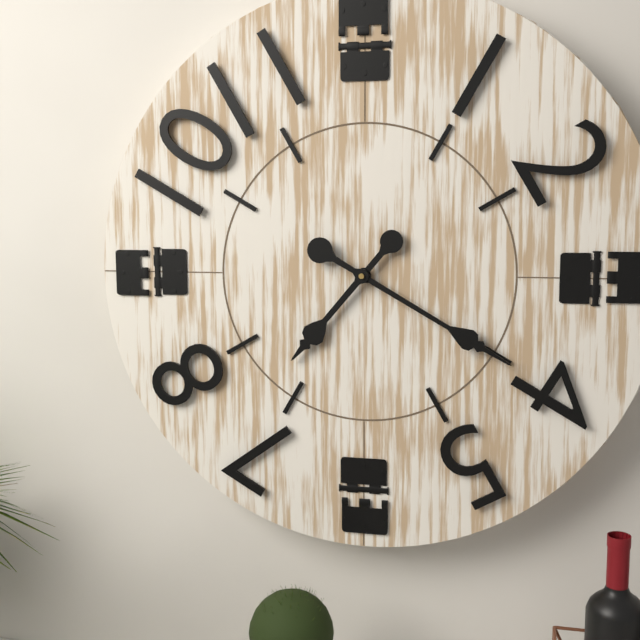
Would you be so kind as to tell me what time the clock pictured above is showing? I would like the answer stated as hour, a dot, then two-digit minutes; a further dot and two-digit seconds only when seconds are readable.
7.20
